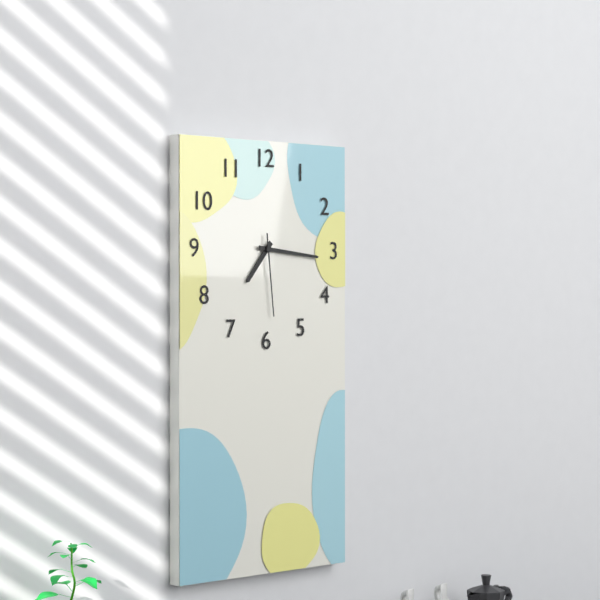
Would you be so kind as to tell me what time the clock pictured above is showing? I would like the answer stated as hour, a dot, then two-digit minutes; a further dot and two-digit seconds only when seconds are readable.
7.16.29
